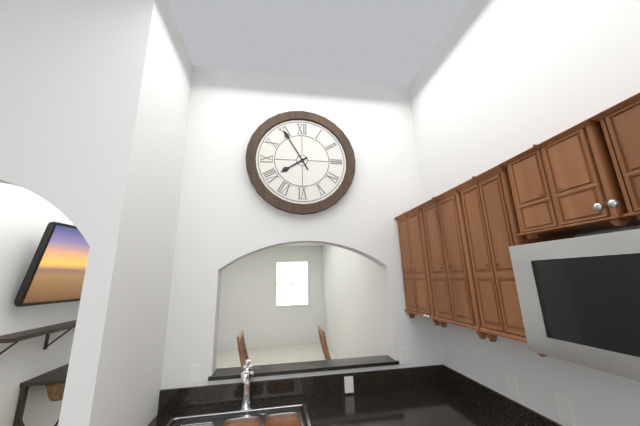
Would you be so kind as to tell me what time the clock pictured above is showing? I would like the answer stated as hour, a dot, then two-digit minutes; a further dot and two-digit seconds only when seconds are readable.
7.55
